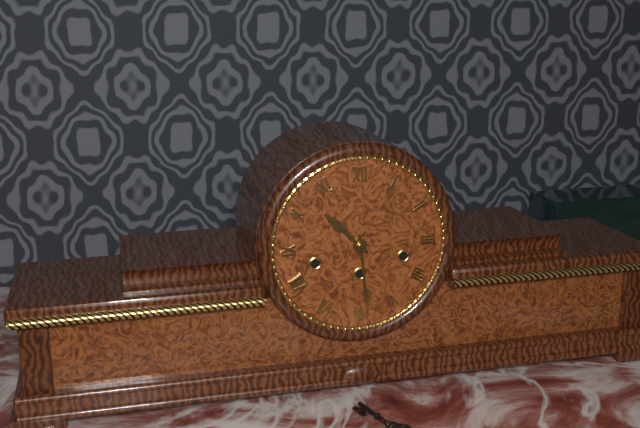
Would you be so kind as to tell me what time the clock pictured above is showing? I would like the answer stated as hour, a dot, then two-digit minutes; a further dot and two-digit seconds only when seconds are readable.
10.29
